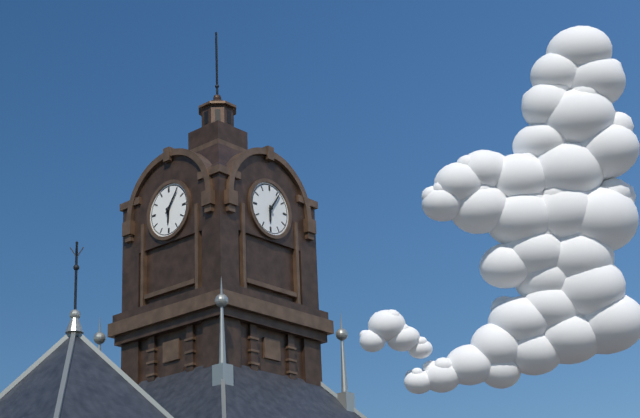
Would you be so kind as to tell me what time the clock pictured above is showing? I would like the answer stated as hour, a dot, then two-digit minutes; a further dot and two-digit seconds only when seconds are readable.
6.06
